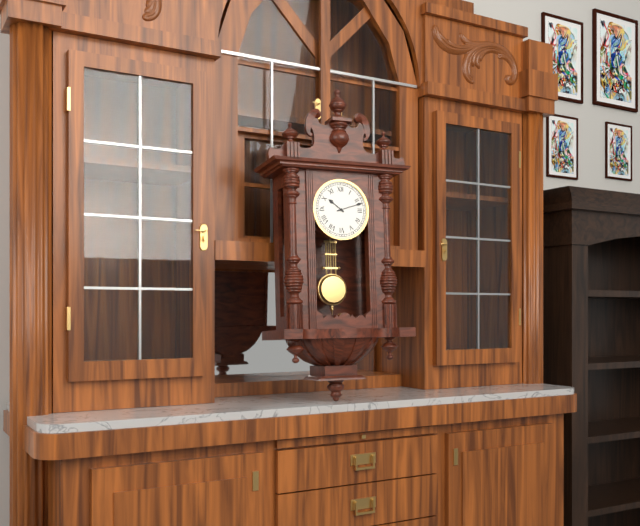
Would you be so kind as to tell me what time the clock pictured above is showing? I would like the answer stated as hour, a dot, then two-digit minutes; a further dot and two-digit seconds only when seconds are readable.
10.12
